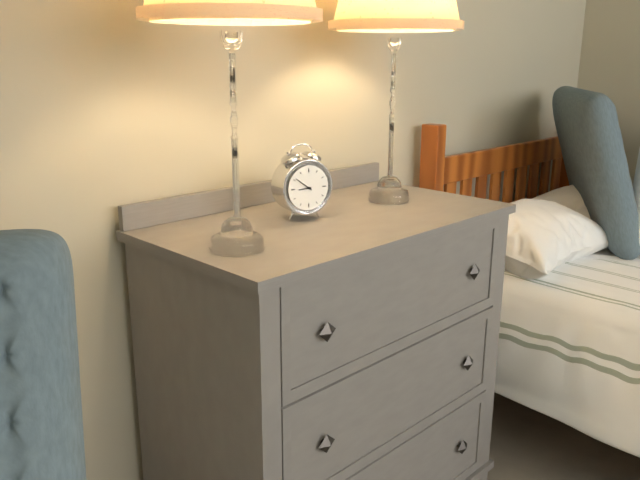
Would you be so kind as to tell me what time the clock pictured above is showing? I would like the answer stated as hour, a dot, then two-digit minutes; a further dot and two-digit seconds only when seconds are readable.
8.51
